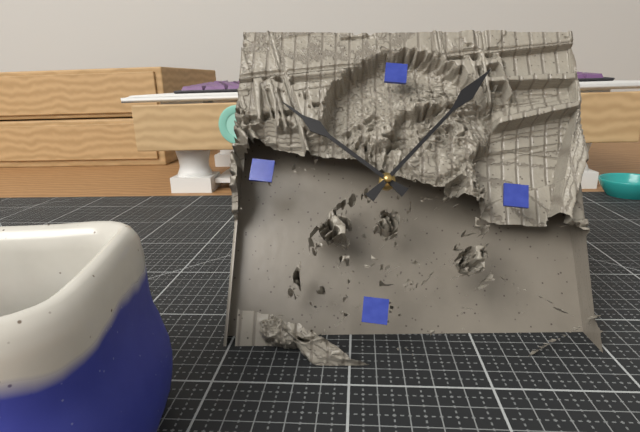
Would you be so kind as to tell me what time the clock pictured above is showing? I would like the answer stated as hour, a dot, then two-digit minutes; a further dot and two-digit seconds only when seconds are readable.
10.06
